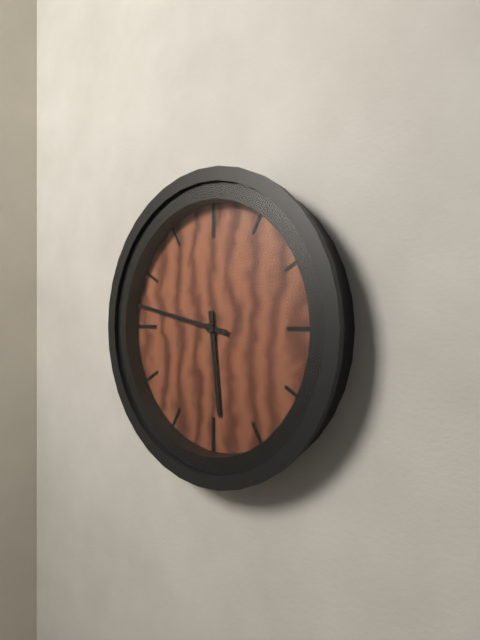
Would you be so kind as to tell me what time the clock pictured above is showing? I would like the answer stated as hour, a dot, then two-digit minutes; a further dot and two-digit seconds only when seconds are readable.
5.47
